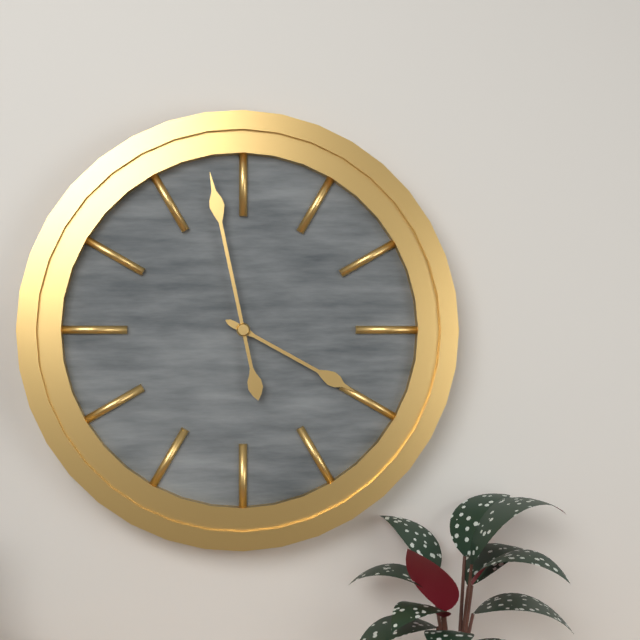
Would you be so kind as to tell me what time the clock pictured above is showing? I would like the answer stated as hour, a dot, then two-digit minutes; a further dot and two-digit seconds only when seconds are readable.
3.58
